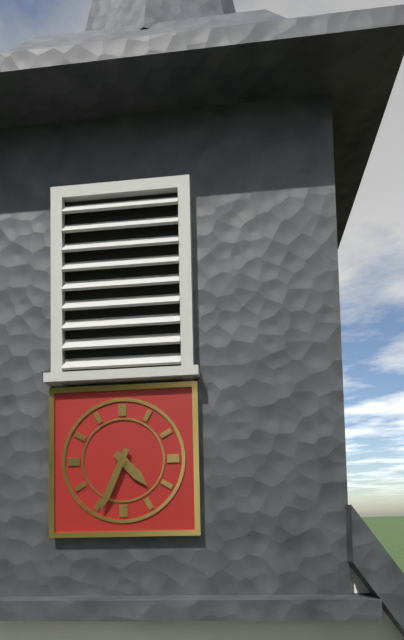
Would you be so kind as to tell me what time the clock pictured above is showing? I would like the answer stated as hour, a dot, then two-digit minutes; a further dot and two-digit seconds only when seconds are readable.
4.34
